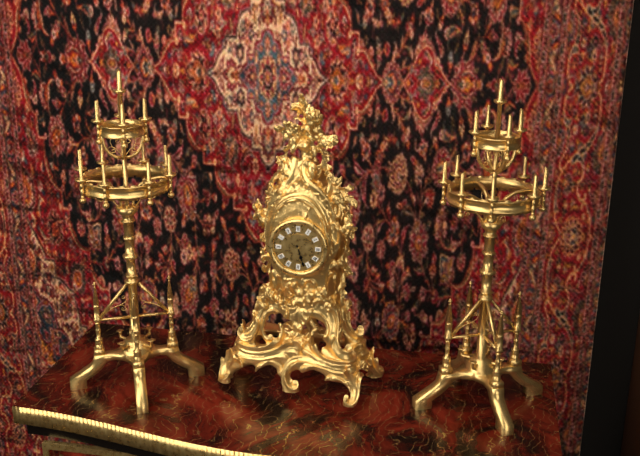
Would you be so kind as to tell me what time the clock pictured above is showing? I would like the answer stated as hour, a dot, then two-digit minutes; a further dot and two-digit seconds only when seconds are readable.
5.27
